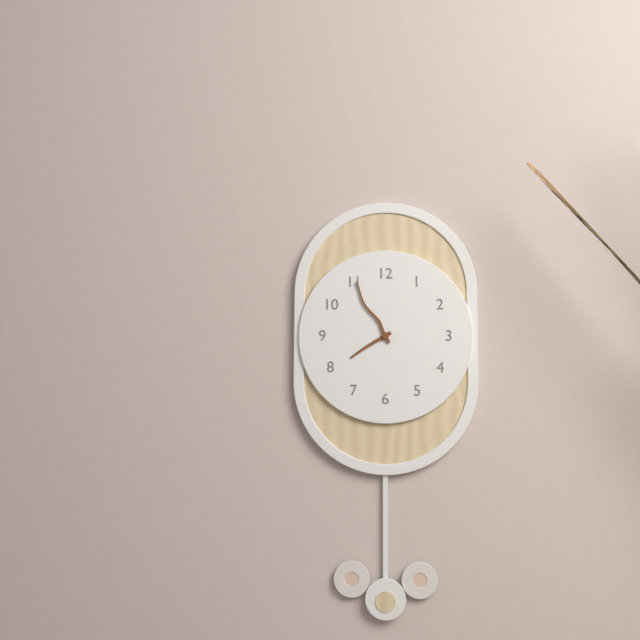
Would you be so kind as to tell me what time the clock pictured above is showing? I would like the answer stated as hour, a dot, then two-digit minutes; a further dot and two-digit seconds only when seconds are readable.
7.55
